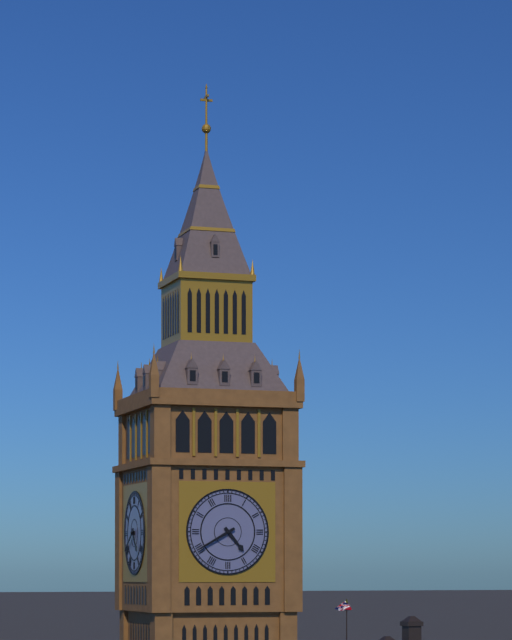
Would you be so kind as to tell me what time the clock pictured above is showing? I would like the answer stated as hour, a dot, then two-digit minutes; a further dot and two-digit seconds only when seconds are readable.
4.40
